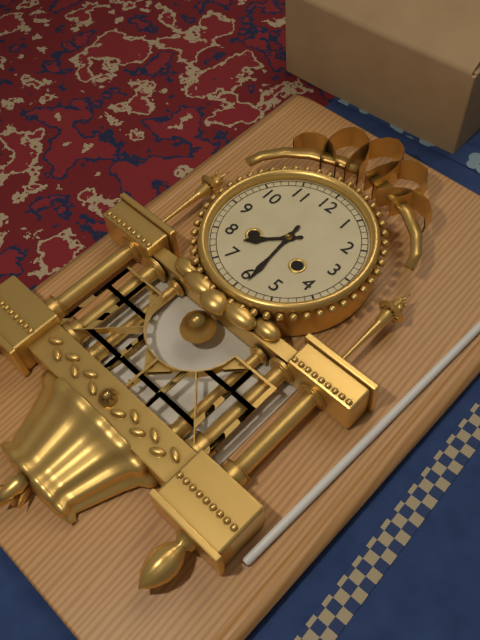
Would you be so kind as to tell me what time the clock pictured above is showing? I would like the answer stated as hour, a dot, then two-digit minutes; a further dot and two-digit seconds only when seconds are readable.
7.29
